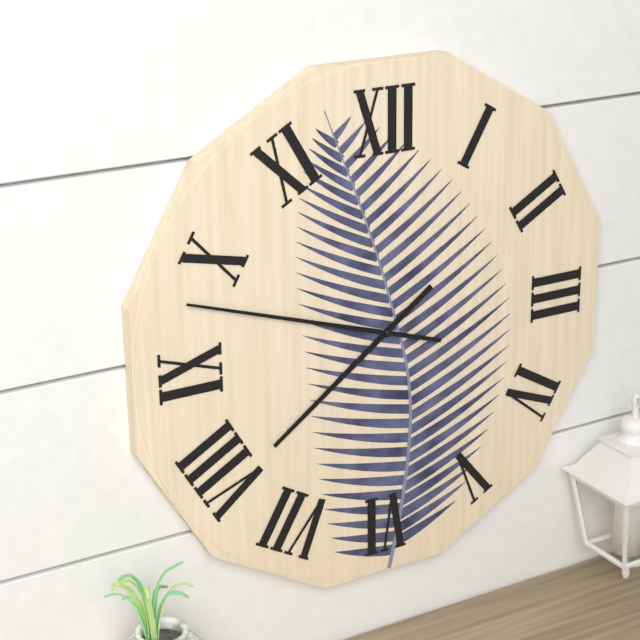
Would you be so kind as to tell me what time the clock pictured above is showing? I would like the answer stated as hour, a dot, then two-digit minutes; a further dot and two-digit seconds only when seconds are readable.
7.48
